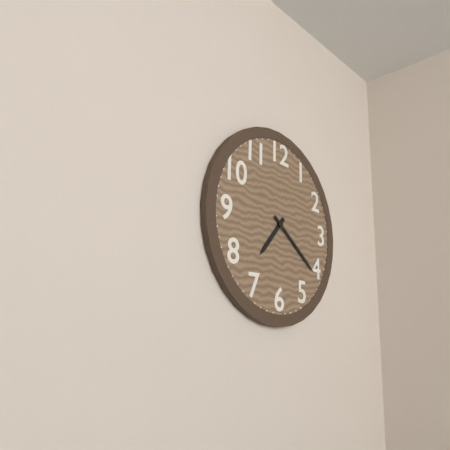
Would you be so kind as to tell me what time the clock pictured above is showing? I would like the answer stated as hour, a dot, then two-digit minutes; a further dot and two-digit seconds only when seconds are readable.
7.21
